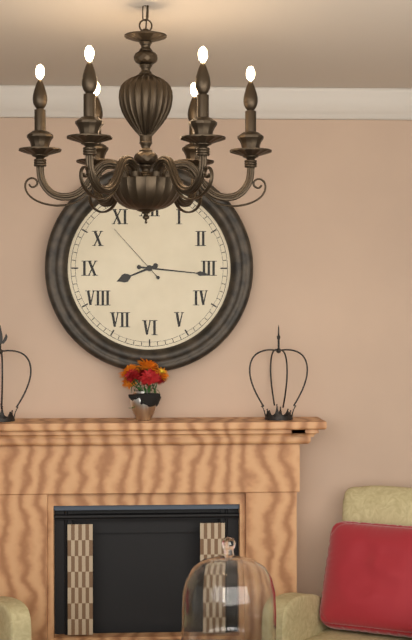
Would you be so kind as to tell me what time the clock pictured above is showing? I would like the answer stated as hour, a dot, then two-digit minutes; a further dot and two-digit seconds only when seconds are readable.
8.16.53
